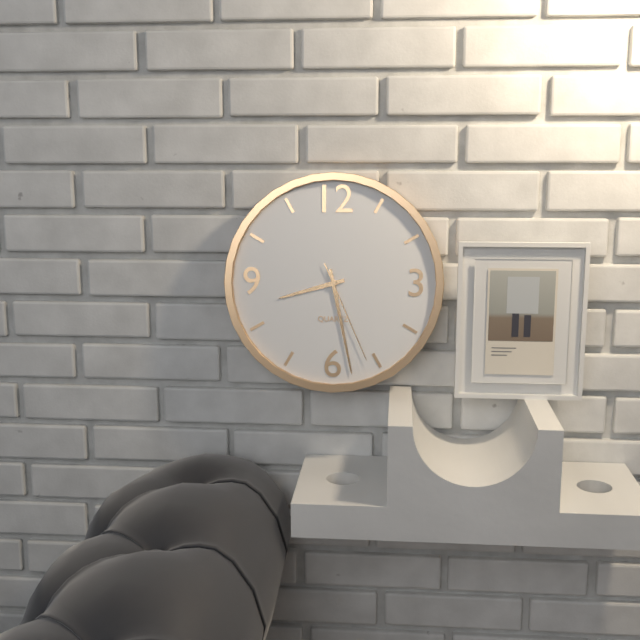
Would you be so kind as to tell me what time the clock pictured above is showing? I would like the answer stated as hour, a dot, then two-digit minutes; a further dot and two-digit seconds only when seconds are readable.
8.28.26
